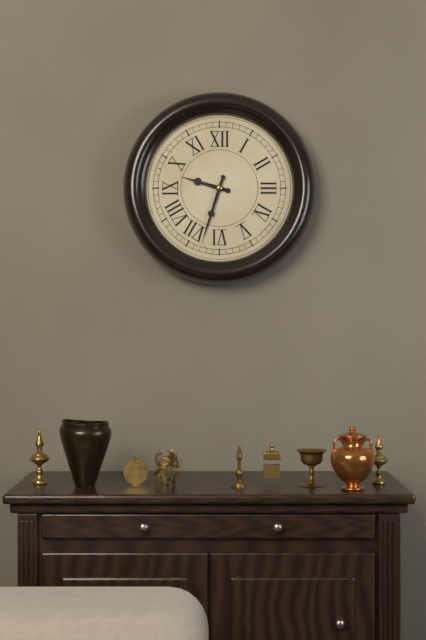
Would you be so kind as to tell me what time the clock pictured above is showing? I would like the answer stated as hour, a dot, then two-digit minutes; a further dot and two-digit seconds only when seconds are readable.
9.33
